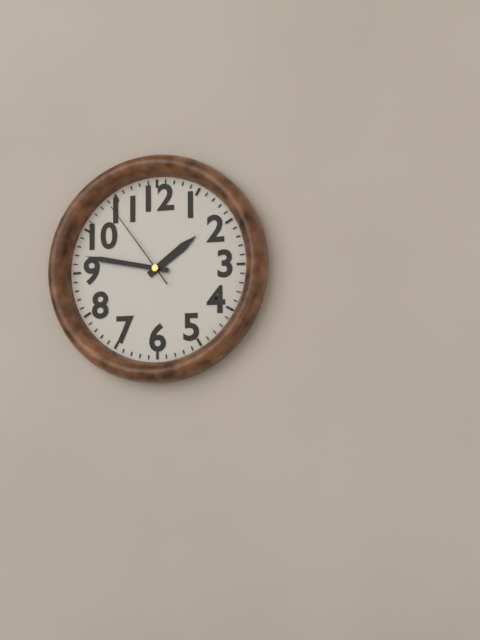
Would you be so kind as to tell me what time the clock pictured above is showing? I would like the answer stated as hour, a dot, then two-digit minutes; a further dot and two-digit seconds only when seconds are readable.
1.47.54
